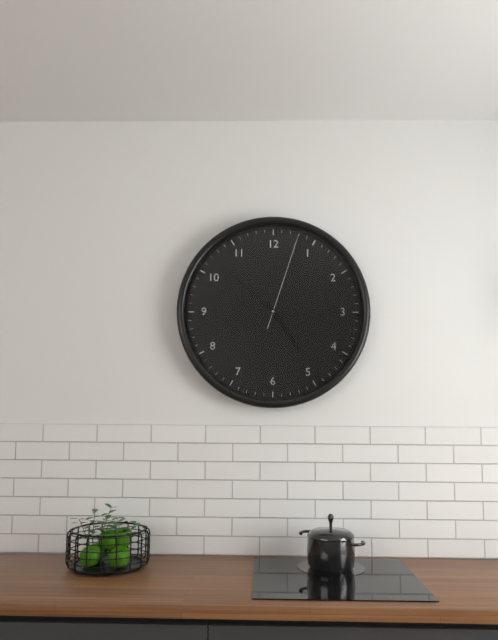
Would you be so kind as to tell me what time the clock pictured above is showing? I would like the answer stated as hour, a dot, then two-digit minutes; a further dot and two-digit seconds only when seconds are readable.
4.52.03
